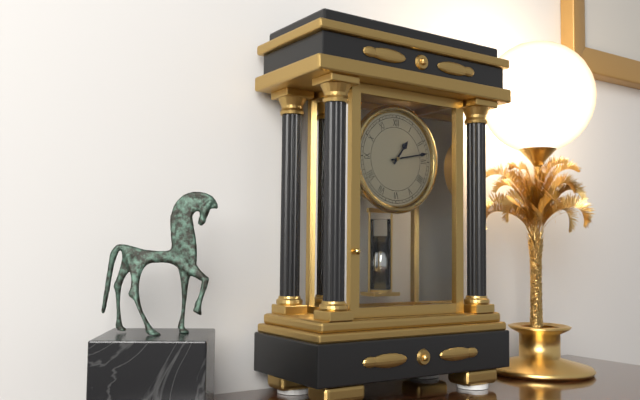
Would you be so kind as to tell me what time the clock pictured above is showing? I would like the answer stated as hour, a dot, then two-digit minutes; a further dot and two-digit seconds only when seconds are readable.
1.13
